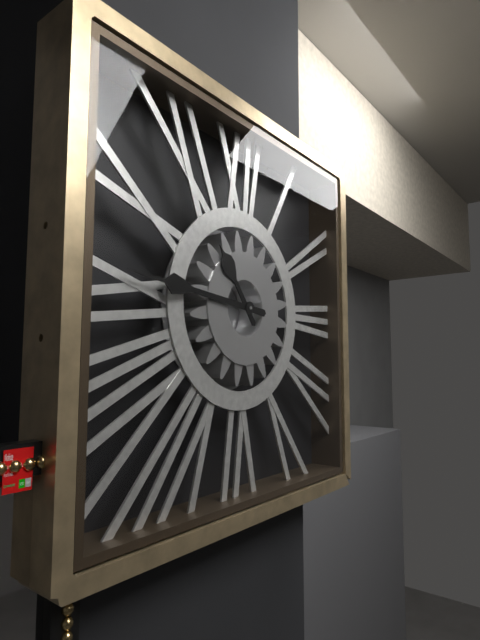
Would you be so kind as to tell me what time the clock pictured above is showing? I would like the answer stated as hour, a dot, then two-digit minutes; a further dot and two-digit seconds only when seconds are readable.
10.46
